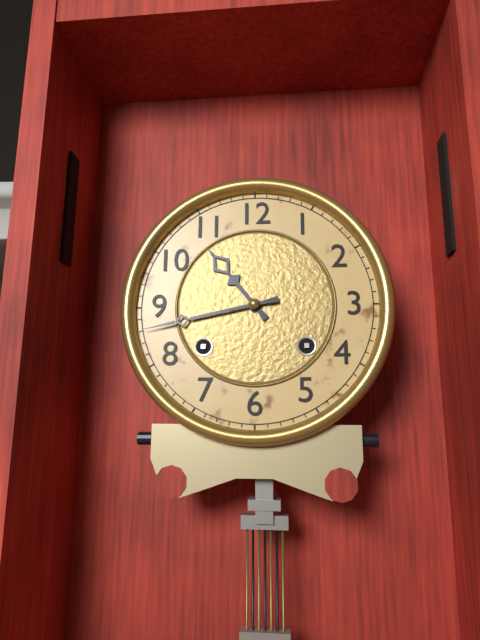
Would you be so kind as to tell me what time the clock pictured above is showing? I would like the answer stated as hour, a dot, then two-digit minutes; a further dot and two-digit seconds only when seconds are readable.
10.43
